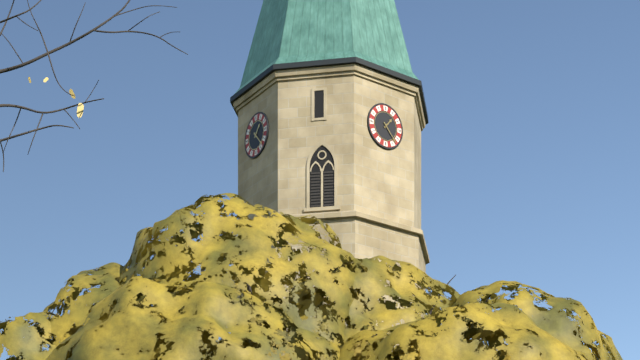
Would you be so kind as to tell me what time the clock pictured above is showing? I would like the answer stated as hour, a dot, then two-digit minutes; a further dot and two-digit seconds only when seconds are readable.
1.23
